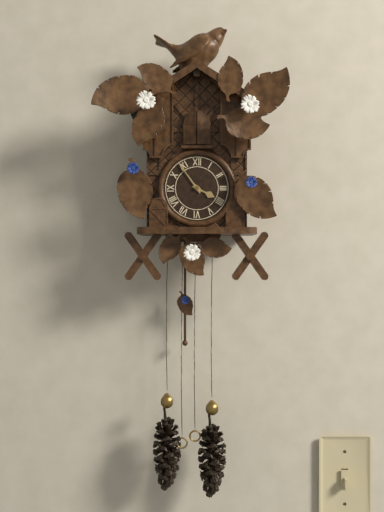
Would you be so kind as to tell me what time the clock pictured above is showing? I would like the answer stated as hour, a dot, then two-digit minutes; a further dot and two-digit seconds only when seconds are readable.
3.54
